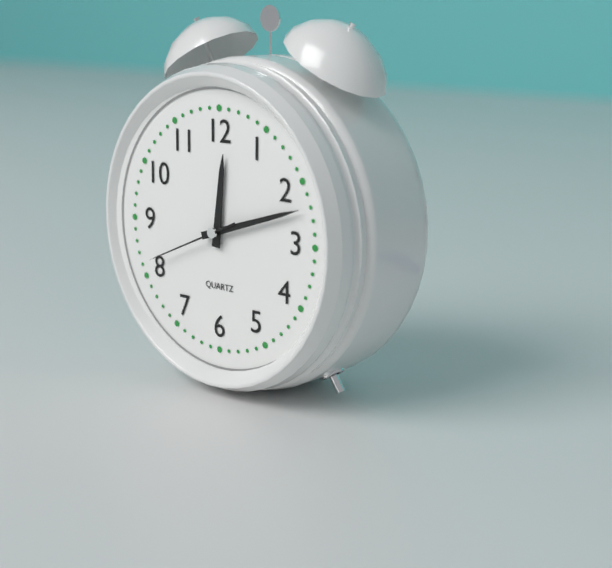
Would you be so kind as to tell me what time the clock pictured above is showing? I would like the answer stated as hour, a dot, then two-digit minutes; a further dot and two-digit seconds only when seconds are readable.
12.12.41
